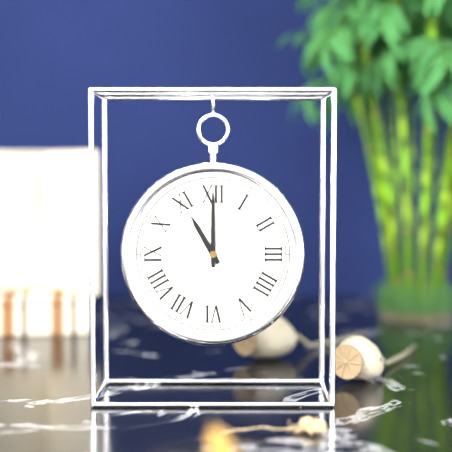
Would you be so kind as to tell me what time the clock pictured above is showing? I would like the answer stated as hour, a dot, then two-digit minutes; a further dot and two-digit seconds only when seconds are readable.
11.00
